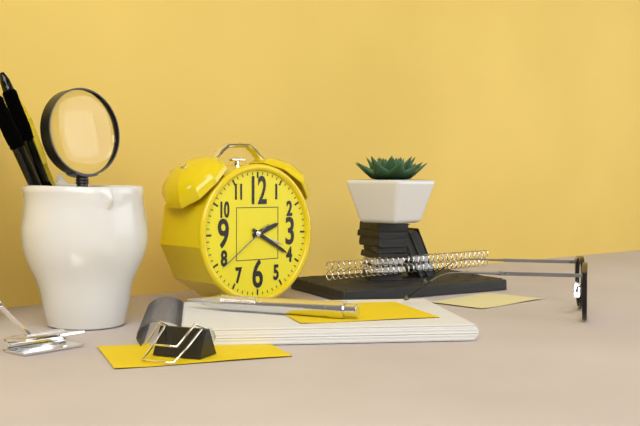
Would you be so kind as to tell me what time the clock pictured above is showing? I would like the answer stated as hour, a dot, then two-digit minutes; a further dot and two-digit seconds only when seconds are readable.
2.20.39
